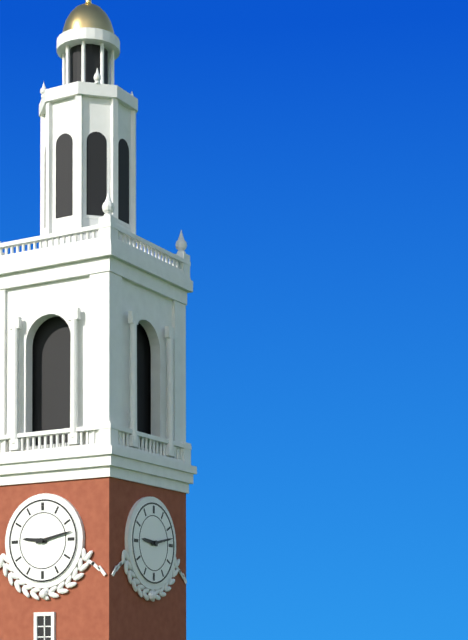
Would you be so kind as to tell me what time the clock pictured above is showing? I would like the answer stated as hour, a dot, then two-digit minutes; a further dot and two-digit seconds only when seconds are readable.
9.13
